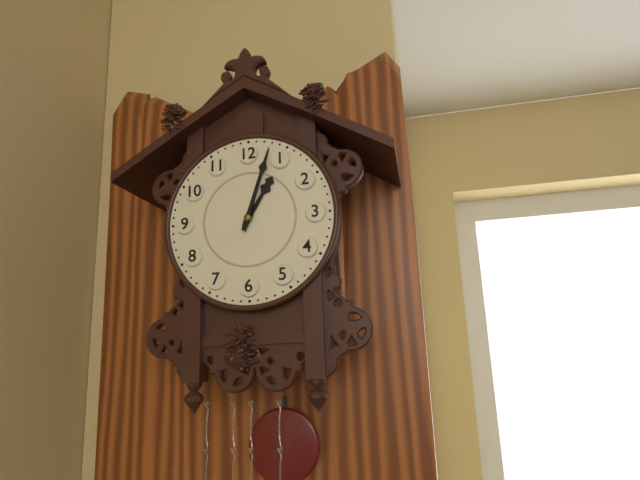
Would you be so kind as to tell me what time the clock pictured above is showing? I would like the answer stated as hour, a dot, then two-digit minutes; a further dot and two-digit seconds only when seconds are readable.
1.03
